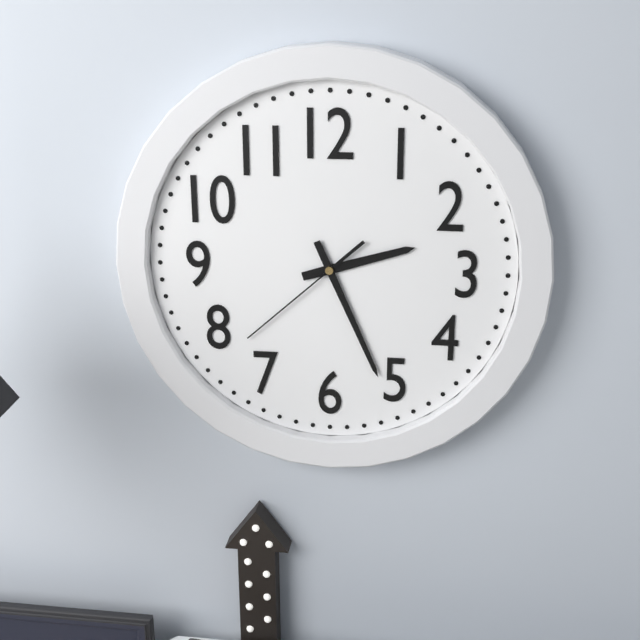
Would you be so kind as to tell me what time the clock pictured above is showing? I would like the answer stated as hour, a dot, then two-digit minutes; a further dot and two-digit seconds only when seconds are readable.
2.26.38
